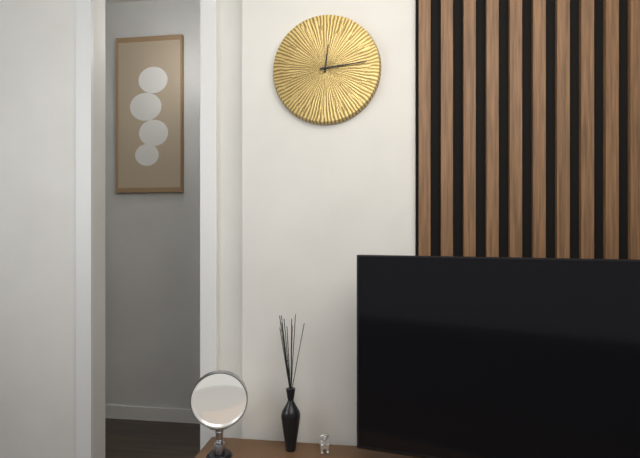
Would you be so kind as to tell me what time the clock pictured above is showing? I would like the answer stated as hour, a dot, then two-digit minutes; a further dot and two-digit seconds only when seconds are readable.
12.14
